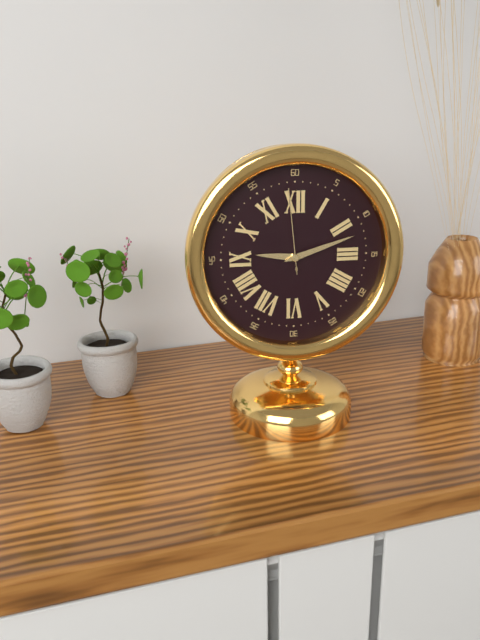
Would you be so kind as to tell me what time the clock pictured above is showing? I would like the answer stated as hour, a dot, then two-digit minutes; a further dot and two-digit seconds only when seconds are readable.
9.12.59
